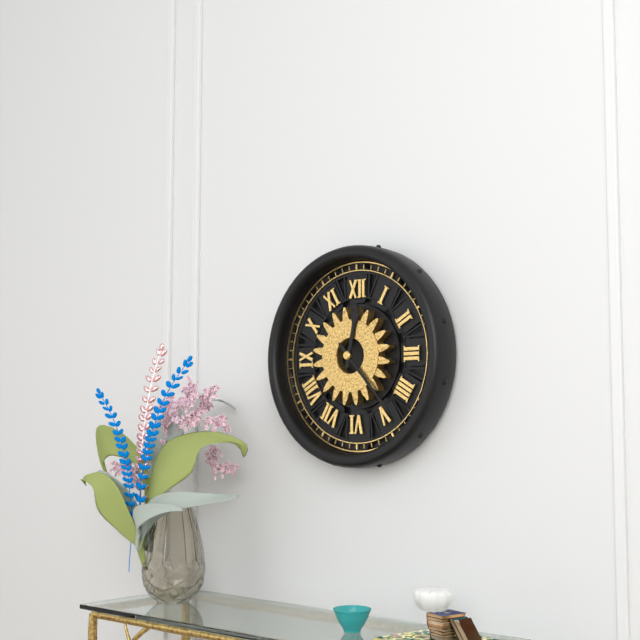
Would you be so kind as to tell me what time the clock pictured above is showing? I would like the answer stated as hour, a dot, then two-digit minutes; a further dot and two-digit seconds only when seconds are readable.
12.23
